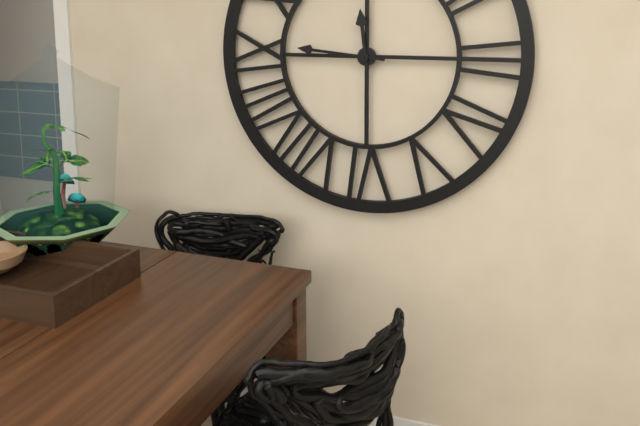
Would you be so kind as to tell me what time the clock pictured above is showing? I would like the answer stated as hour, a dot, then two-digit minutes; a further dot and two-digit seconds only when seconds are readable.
11.46
